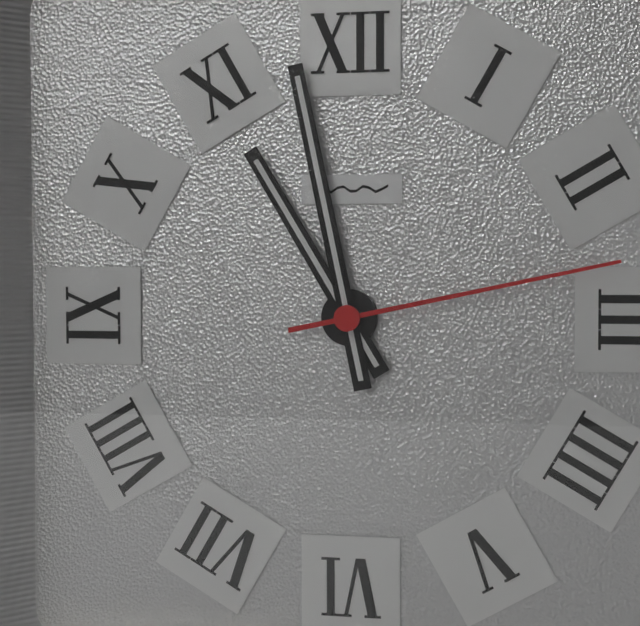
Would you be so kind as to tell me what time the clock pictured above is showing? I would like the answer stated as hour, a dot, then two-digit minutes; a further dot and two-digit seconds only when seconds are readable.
10.58.13
